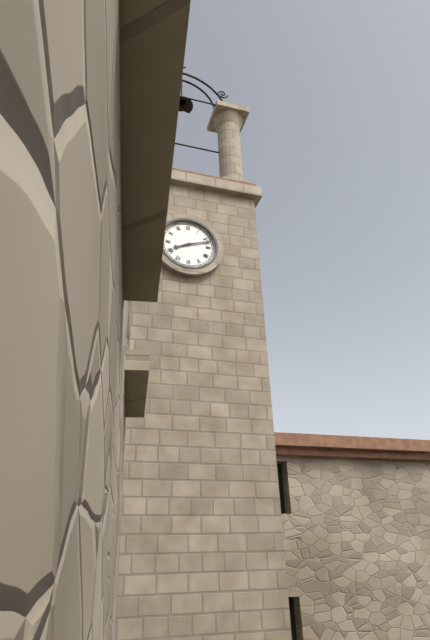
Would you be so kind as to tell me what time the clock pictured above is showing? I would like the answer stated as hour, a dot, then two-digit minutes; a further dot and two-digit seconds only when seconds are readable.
8.12
